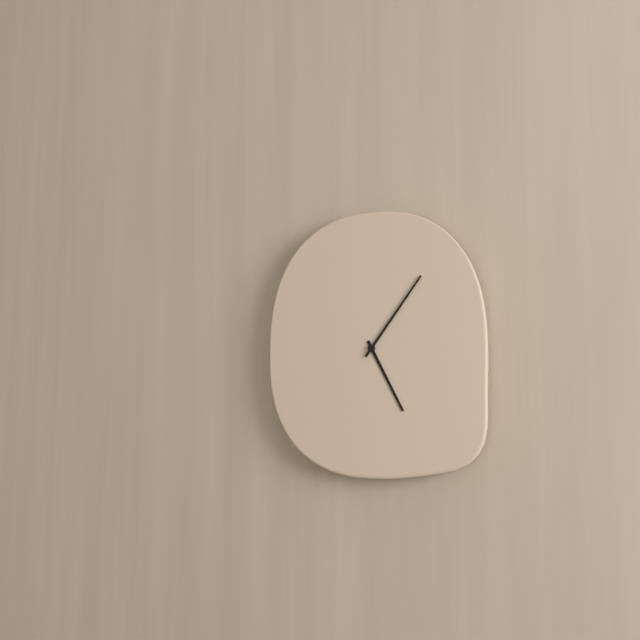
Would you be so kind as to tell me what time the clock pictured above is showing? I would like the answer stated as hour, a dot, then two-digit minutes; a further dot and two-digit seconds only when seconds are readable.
5.06
